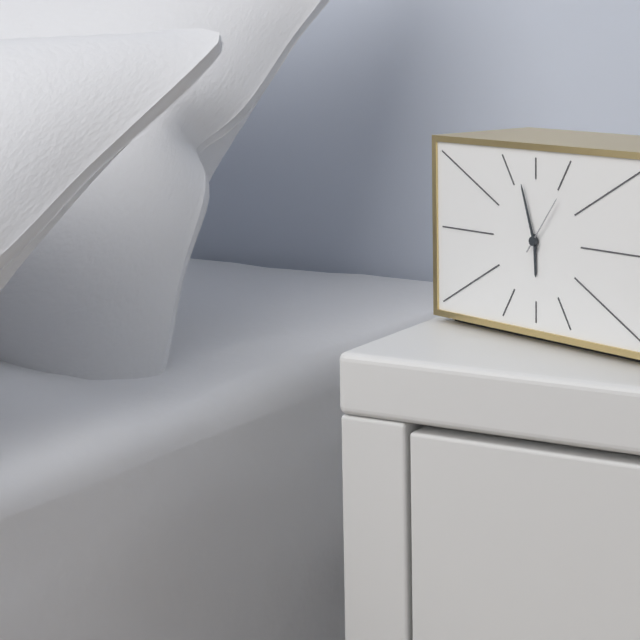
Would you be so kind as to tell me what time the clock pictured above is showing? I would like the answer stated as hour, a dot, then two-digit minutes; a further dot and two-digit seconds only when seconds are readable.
5.57.06
